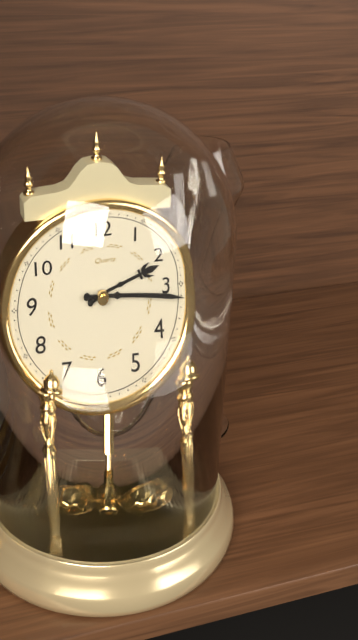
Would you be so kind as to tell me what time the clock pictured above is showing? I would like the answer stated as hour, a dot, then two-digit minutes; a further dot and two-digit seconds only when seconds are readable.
2.16
